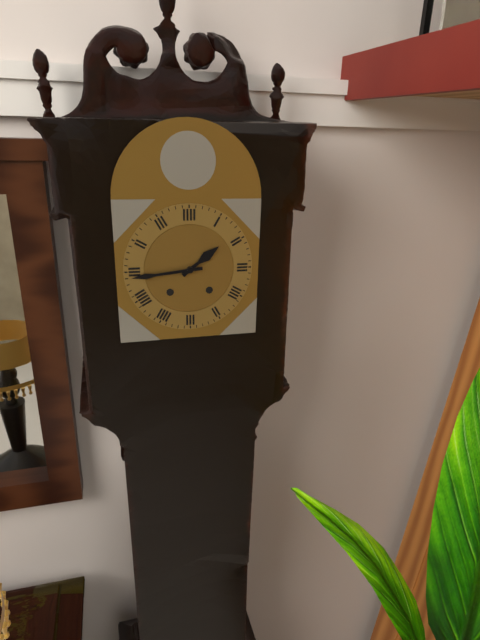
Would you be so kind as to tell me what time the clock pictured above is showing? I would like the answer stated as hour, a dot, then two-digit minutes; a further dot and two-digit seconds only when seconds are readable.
1.44
